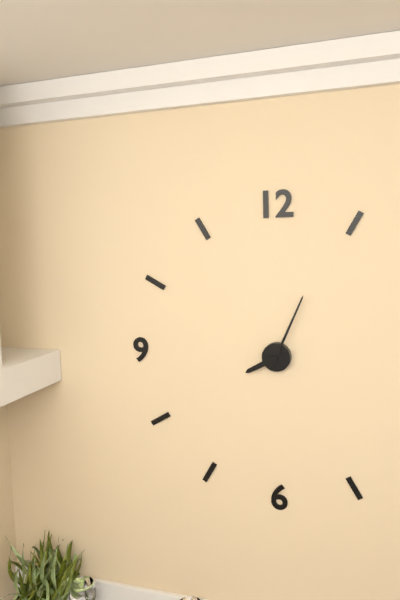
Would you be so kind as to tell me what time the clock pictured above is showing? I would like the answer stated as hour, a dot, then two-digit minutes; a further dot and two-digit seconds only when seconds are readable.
8.04
